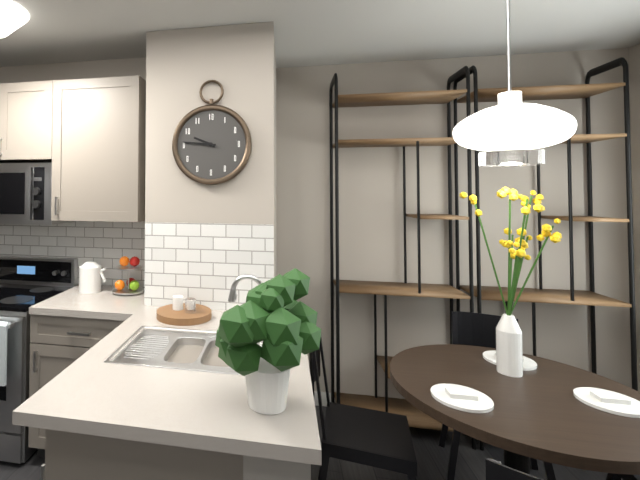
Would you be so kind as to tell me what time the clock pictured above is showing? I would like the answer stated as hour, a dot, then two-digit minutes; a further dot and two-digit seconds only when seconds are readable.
9.46
